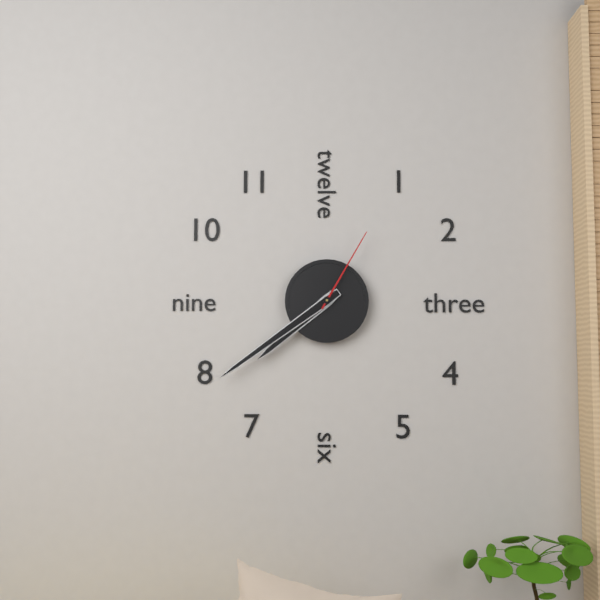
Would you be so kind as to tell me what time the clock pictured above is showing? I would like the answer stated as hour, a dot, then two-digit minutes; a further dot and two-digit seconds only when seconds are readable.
7.39.05
